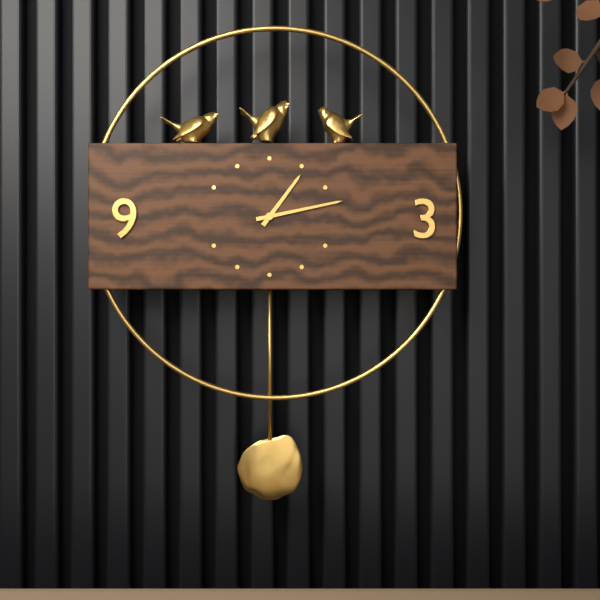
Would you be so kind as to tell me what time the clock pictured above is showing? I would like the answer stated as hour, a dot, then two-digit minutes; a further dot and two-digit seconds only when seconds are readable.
1.13
